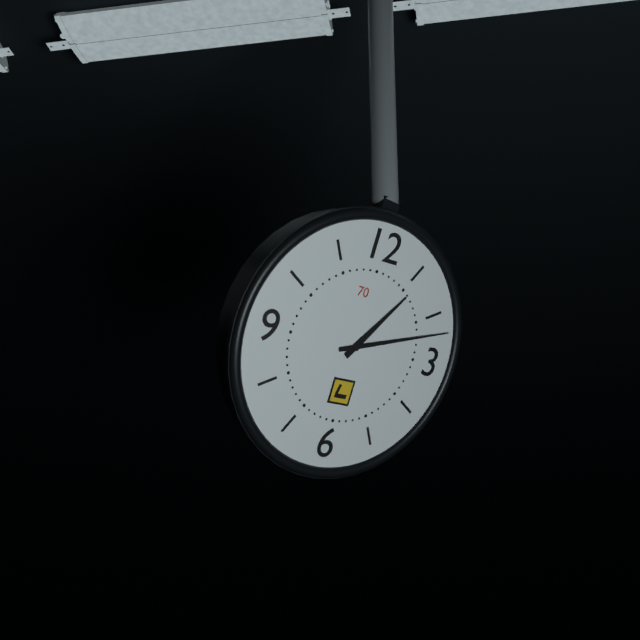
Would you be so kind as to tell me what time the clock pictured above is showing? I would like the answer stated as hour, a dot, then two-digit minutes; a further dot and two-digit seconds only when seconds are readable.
1.12
